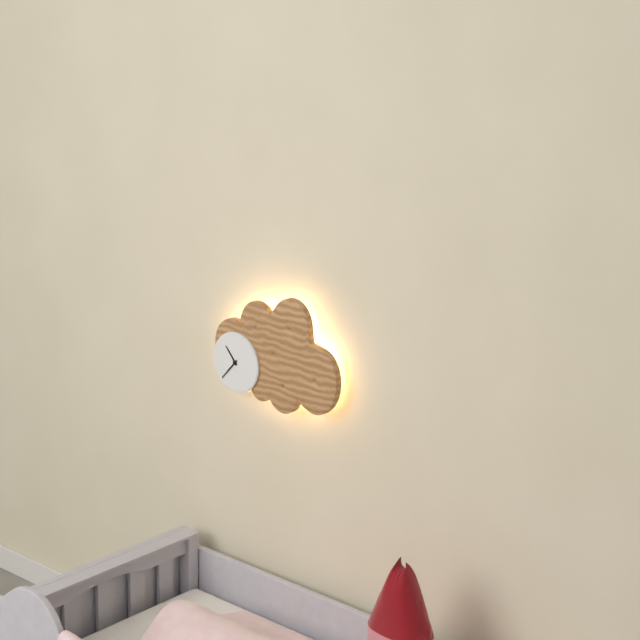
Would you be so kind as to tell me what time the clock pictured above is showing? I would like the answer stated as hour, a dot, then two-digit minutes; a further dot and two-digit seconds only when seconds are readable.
10.37
